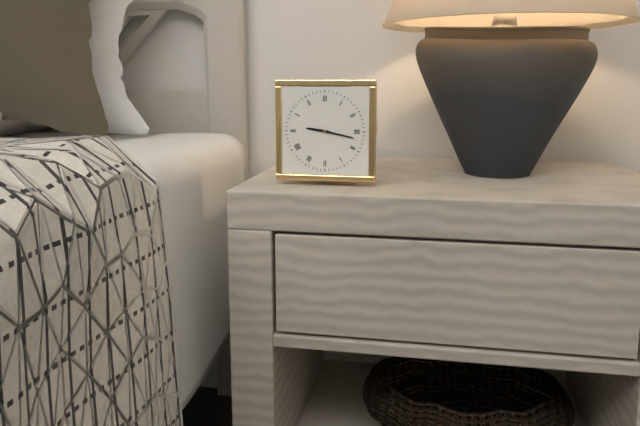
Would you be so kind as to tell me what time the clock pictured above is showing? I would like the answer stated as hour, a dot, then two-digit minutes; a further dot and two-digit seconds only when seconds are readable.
9.17
